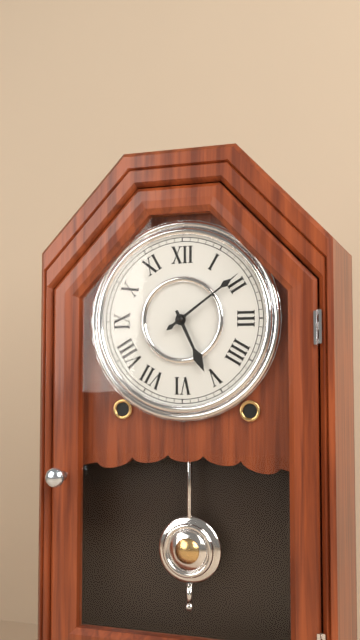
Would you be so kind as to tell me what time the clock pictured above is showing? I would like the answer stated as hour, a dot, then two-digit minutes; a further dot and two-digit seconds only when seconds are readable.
5.09
